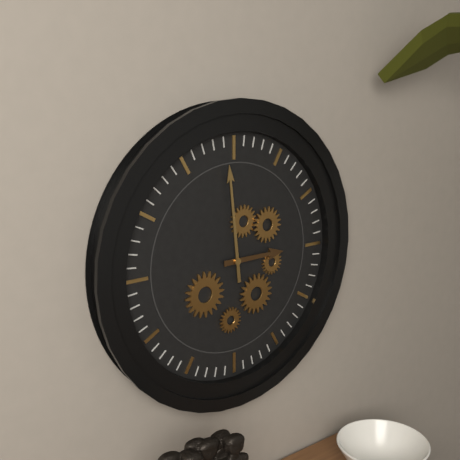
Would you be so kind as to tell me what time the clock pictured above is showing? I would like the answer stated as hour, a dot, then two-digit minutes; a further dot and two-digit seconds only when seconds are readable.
2.59
